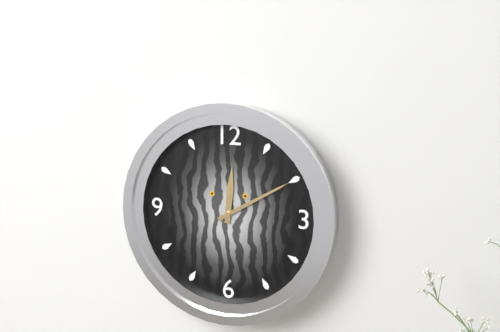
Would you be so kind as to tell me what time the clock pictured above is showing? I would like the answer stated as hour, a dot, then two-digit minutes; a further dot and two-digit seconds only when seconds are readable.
12.10
